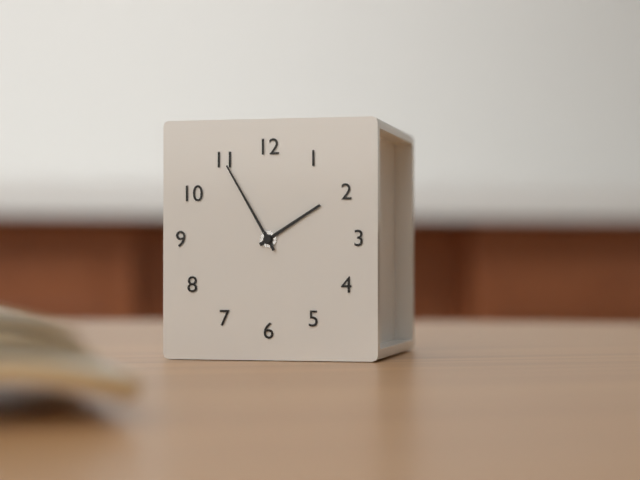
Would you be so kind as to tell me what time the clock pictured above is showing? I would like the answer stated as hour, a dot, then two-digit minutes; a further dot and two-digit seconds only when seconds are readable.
1.55
